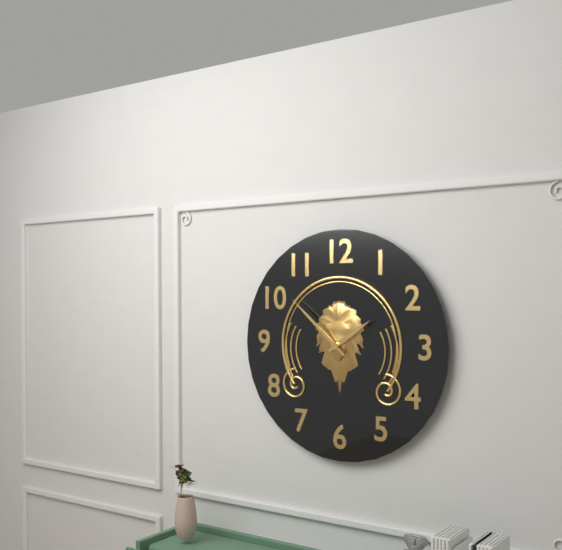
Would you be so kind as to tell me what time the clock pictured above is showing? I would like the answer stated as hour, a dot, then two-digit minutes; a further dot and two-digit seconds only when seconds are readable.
1.52
